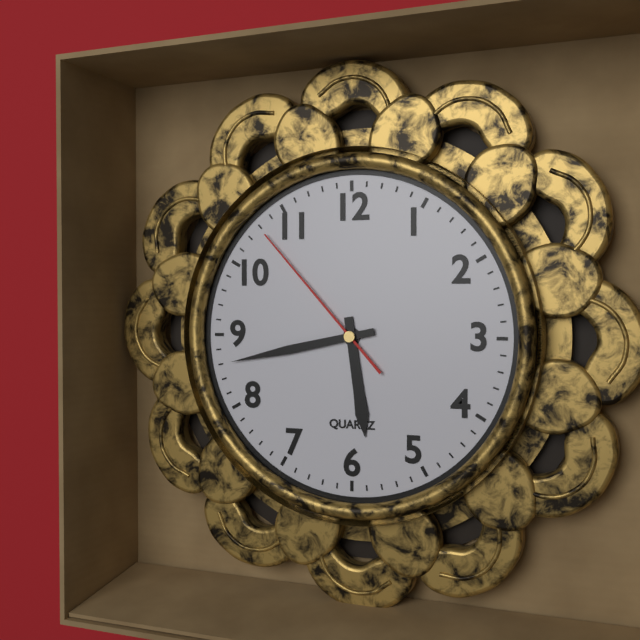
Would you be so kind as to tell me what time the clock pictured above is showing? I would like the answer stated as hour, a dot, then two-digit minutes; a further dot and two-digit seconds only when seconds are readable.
5.43.53
